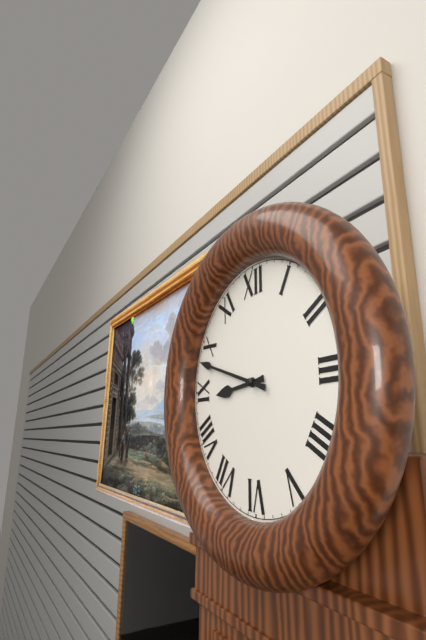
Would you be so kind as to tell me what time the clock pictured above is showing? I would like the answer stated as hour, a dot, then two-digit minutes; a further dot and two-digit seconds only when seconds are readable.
8.48
